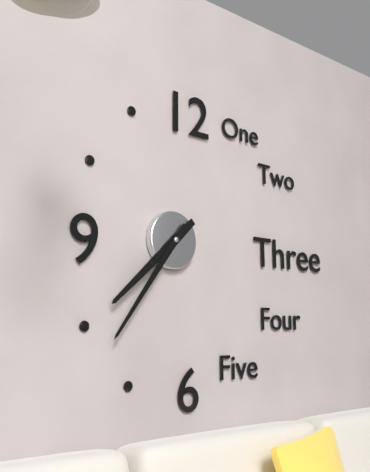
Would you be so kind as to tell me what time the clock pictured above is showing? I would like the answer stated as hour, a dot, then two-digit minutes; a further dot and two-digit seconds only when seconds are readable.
7.36
